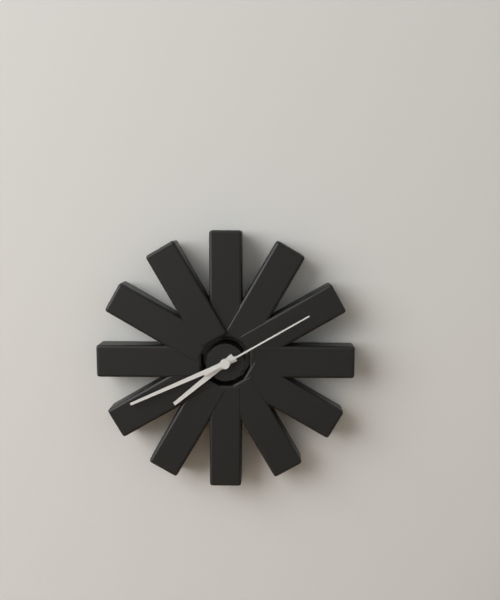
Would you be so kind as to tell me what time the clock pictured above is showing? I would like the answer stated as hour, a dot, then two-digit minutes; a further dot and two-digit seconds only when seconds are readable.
7.41.10
